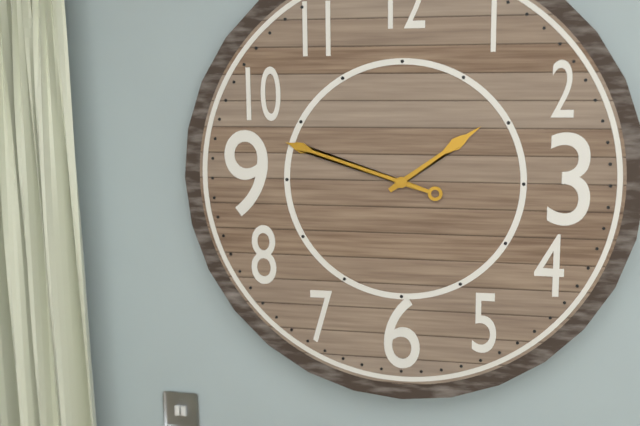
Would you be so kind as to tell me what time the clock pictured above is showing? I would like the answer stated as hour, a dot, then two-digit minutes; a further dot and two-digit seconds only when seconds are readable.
1.48
